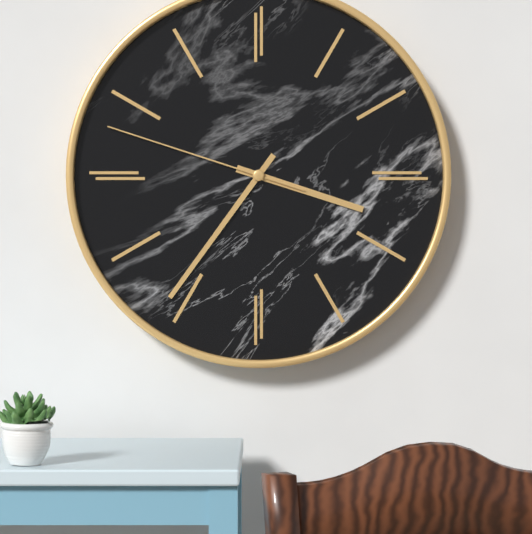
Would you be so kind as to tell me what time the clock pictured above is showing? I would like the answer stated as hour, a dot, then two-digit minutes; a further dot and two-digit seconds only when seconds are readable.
3.36.48
